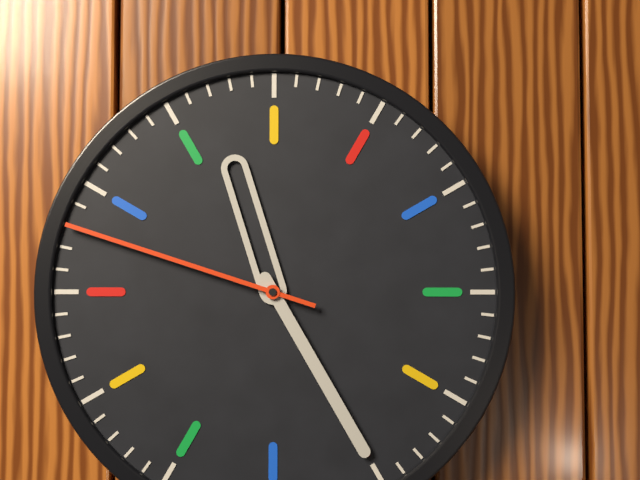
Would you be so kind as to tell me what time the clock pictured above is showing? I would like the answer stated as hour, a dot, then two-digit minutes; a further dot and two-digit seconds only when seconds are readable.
11.25.48
